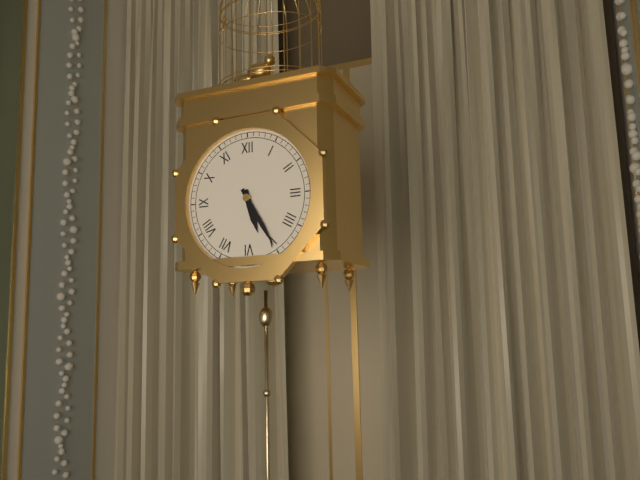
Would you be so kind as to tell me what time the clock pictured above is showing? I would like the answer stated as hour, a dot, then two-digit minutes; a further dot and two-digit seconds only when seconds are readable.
5.25
